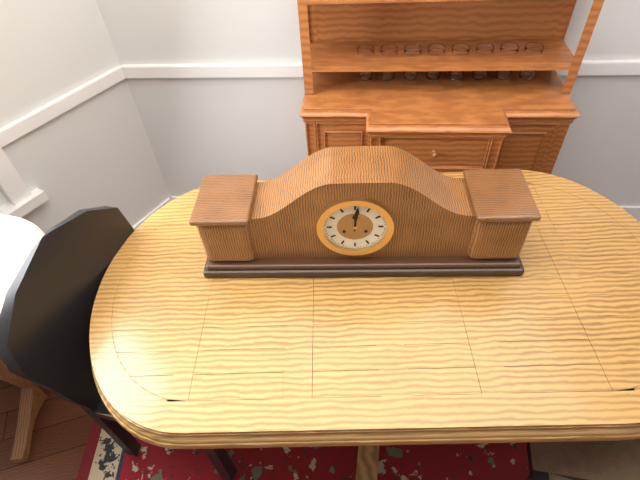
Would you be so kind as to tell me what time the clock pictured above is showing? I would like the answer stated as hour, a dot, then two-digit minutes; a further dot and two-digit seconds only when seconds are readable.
12.01
